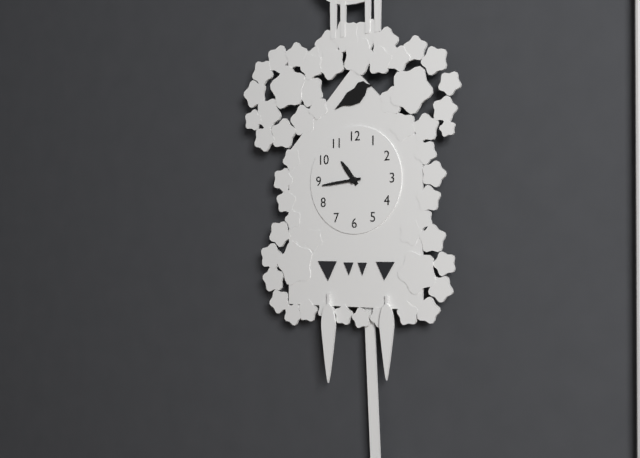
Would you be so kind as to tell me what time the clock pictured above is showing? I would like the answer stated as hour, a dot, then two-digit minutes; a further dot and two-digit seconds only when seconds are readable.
10.44
